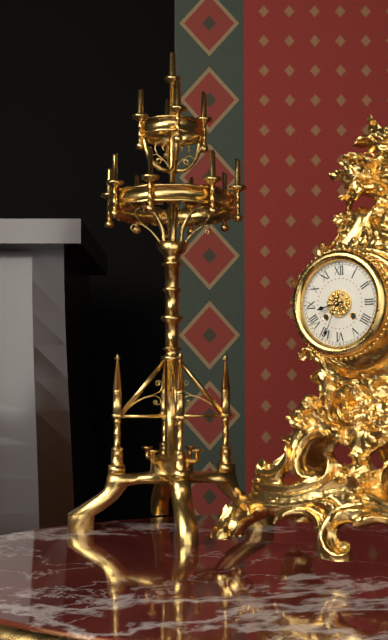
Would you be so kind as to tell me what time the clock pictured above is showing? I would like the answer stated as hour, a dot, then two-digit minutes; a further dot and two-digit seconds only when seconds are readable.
8.34
